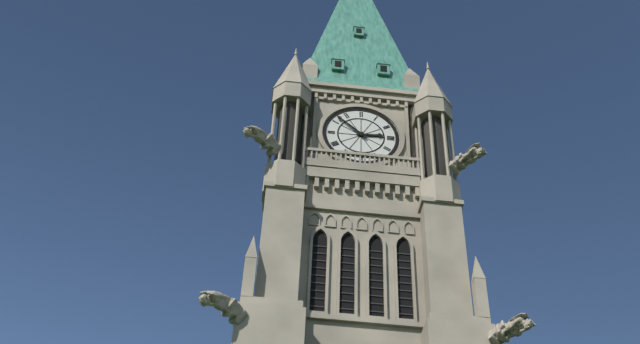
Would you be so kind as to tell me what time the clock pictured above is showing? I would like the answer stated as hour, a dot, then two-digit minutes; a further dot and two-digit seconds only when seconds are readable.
2.52
